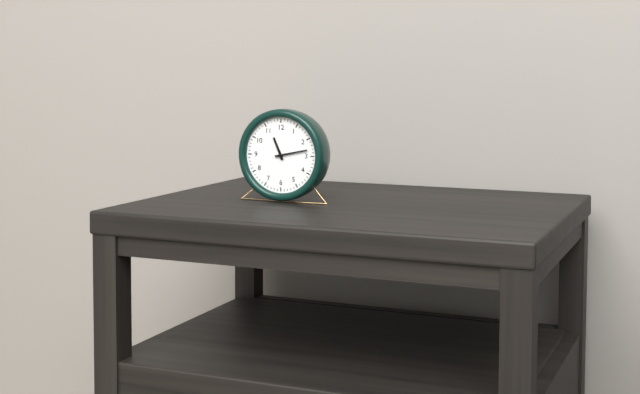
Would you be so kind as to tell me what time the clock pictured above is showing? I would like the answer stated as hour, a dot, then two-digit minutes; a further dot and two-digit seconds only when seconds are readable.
11.13
